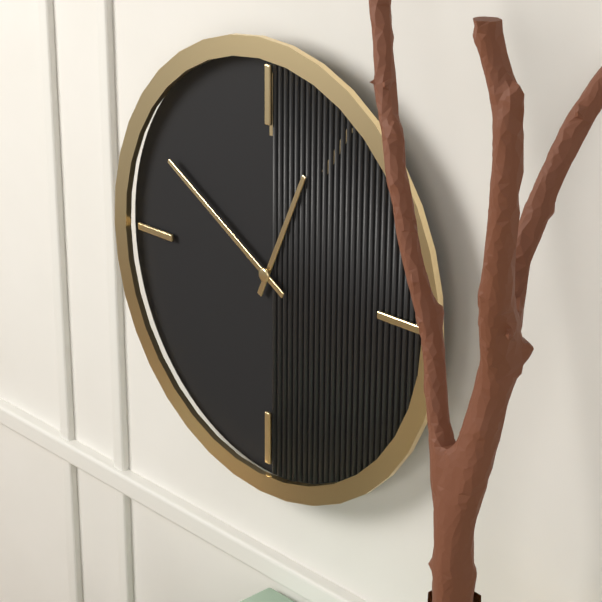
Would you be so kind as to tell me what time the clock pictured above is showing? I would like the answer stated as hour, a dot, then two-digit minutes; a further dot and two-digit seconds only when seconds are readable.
12.50
